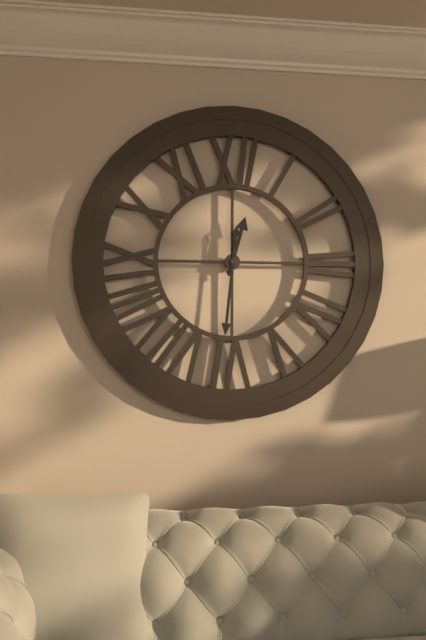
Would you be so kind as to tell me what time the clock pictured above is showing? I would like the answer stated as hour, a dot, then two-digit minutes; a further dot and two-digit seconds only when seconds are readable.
12.31
